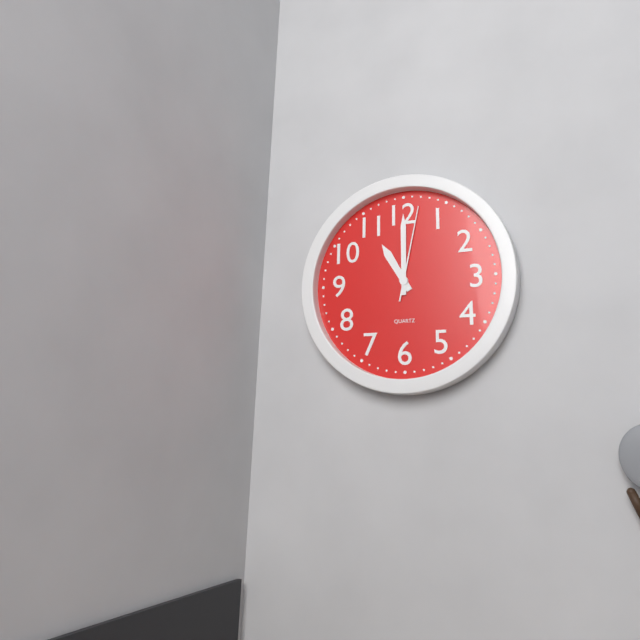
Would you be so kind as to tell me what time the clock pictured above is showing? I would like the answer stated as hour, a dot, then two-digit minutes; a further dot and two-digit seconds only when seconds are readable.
11.00.02
